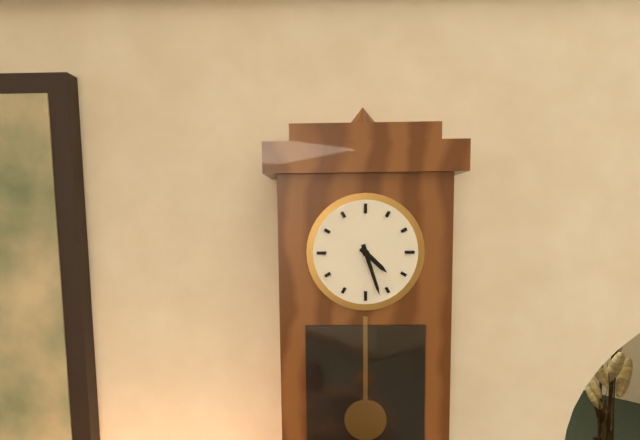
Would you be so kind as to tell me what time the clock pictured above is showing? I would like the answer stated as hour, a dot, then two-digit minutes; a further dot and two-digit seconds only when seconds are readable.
4.27
